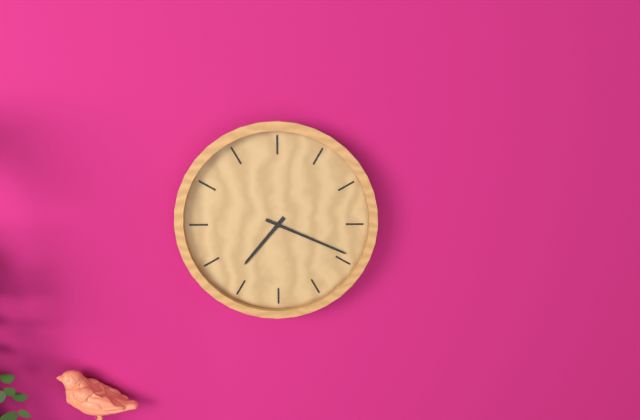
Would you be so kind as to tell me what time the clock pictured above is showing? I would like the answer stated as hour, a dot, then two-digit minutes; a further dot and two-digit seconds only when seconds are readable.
7.19
